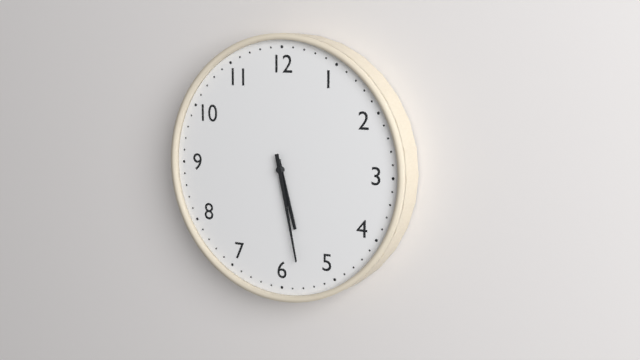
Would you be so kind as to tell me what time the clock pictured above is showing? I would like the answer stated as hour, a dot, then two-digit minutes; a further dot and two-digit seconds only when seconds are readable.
5.28
